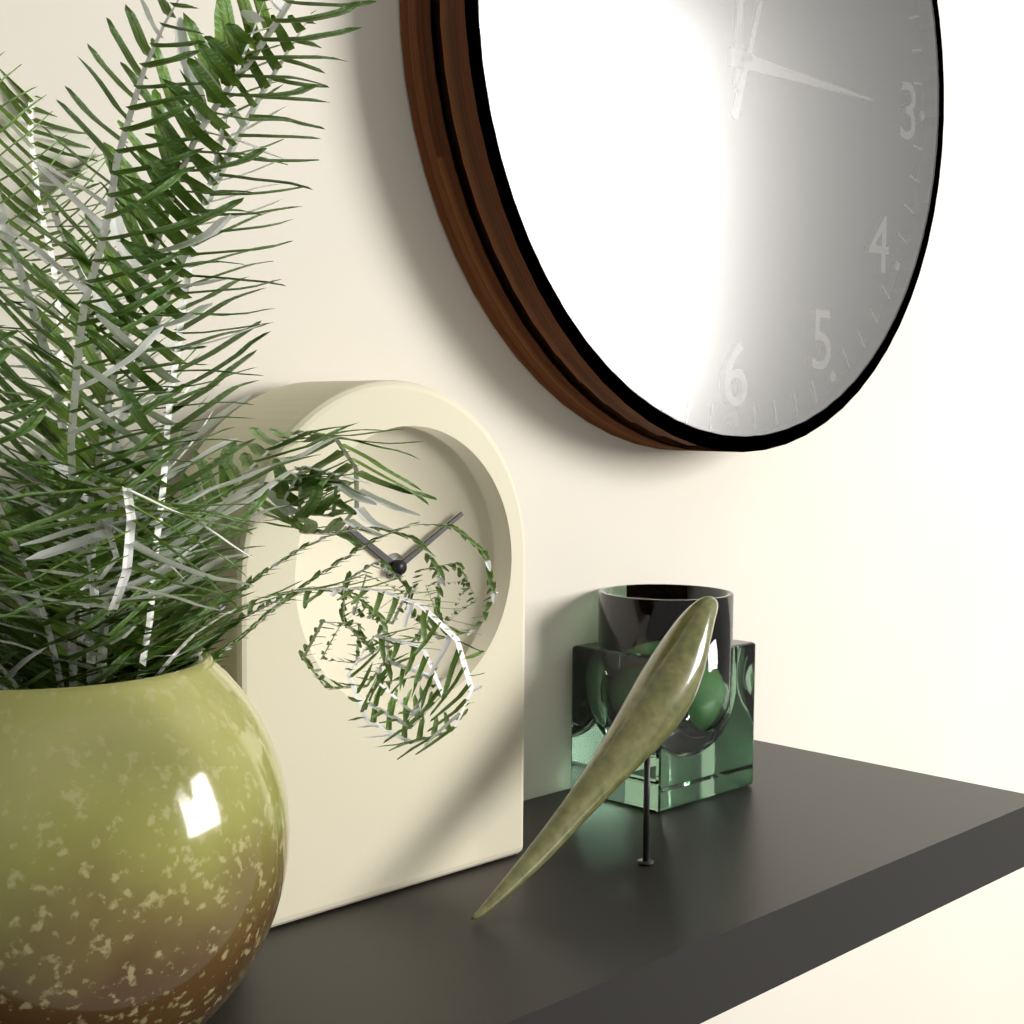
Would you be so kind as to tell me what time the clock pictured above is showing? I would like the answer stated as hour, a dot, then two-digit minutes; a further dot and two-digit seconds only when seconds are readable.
10.10
